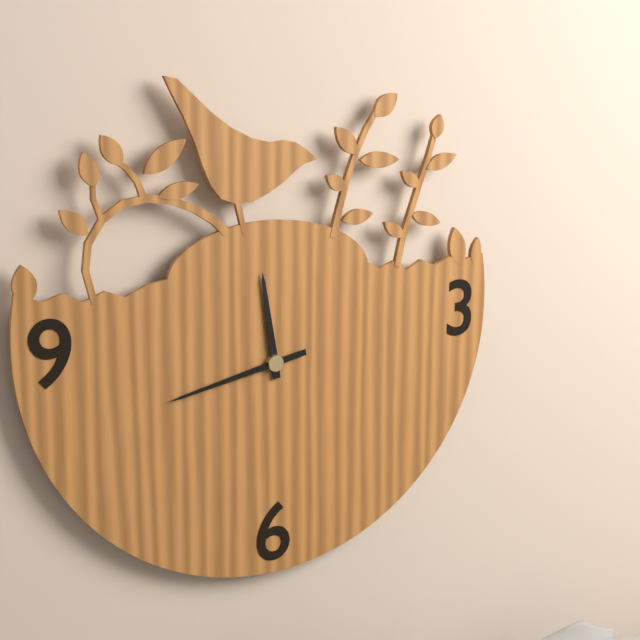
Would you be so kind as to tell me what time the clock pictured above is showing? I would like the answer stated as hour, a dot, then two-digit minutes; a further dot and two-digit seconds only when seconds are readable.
11.43
